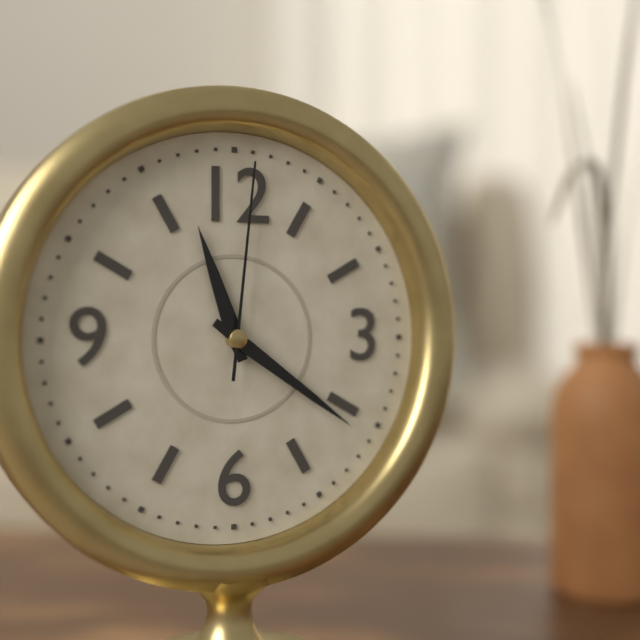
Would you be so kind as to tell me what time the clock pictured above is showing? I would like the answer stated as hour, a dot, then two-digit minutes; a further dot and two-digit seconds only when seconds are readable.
11.21.01
